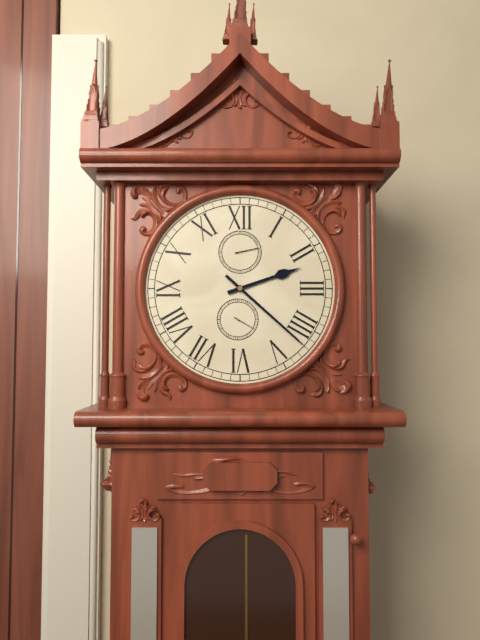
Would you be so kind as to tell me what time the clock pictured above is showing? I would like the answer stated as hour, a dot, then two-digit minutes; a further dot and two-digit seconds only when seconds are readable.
2.22
